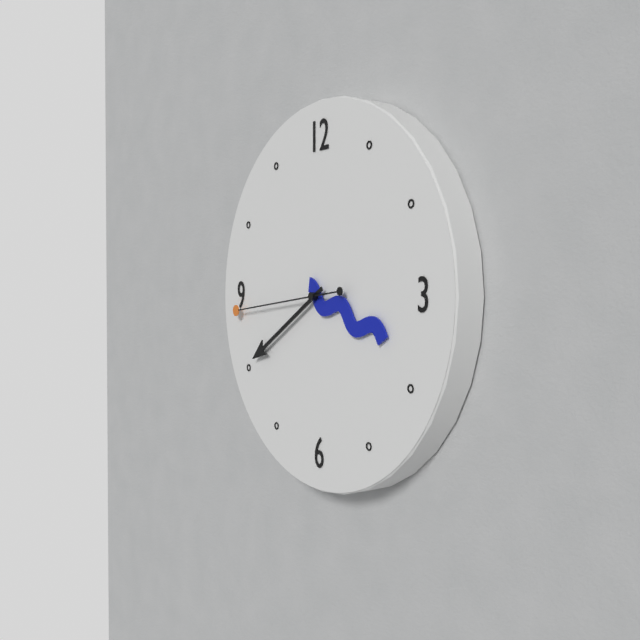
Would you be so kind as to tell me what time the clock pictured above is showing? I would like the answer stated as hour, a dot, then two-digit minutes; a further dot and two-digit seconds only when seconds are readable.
3.40.44
